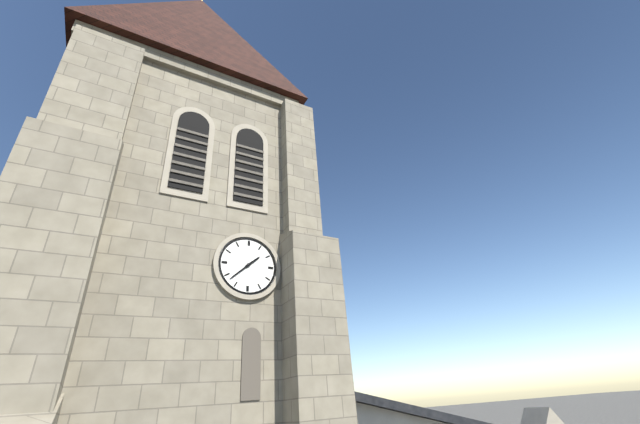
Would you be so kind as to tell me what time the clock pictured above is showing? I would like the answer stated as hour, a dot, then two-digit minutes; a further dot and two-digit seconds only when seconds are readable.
1.38
